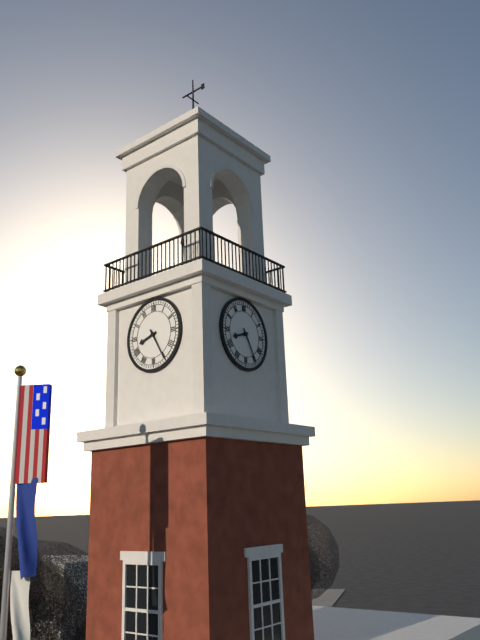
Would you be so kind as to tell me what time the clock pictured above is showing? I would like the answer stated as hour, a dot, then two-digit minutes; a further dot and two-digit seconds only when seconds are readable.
8.25
